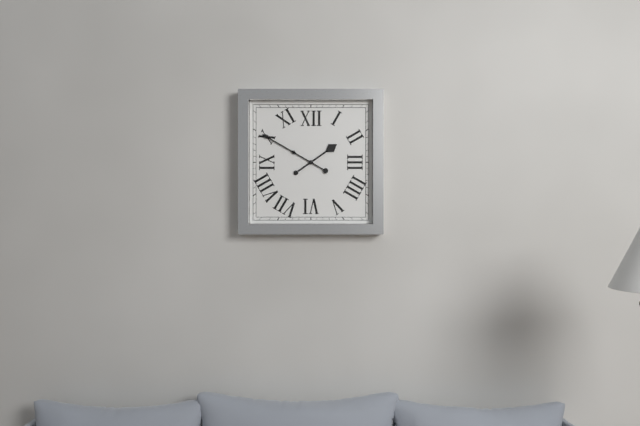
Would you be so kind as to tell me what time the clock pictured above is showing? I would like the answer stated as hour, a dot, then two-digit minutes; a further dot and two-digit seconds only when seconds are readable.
1.50
